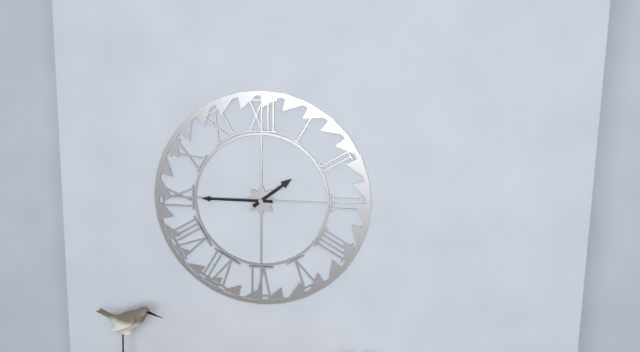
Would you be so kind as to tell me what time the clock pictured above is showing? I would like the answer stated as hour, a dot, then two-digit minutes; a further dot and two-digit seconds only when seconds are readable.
1.45
